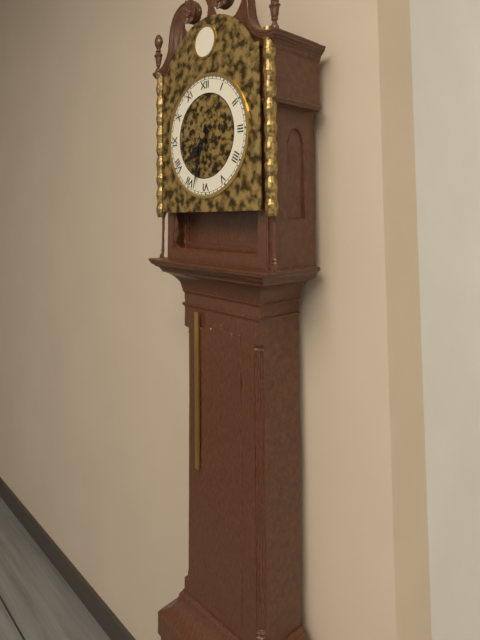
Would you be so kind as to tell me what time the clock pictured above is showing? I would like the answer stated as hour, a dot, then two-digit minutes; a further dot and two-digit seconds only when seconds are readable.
7.33
